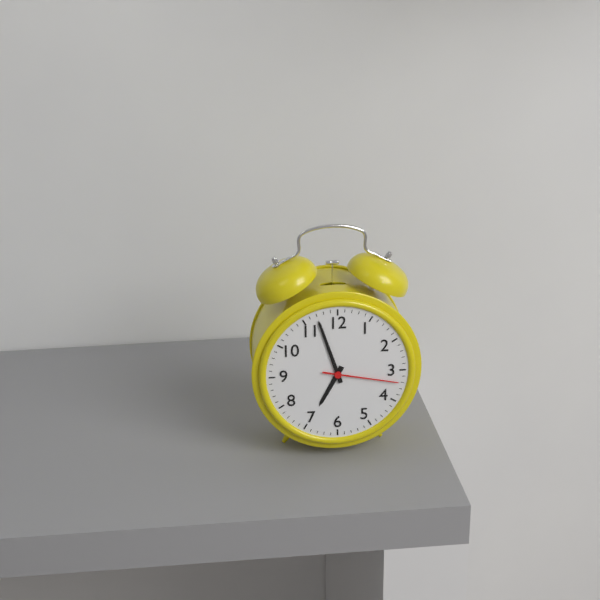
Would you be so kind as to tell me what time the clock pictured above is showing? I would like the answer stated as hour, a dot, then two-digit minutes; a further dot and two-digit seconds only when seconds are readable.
6.57.17
